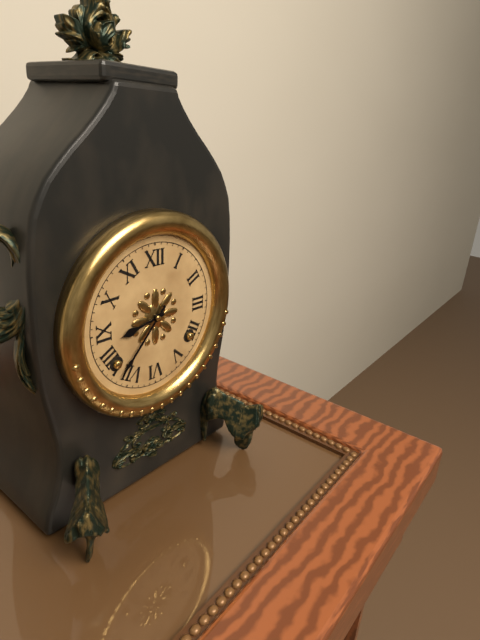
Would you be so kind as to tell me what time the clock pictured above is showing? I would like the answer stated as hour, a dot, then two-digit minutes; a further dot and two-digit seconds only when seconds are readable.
8.37
